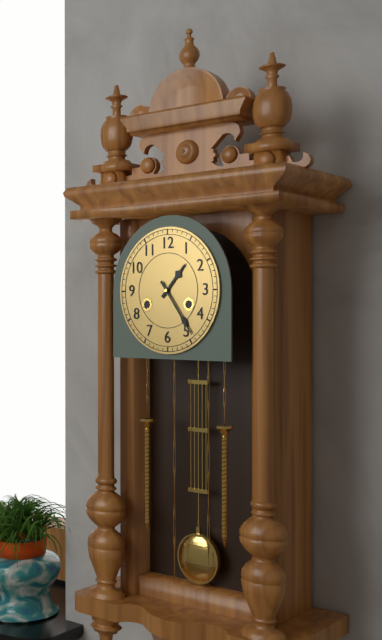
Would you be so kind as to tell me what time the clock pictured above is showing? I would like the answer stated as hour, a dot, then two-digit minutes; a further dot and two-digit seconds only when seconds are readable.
1.24
